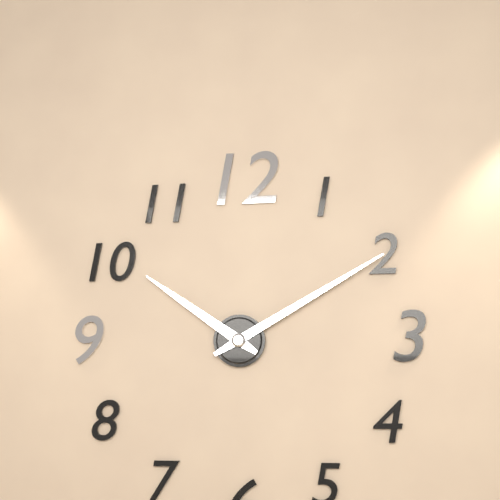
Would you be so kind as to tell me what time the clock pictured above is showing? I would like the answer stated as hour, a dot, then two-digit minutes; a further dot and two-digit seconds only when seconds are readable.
10.10
